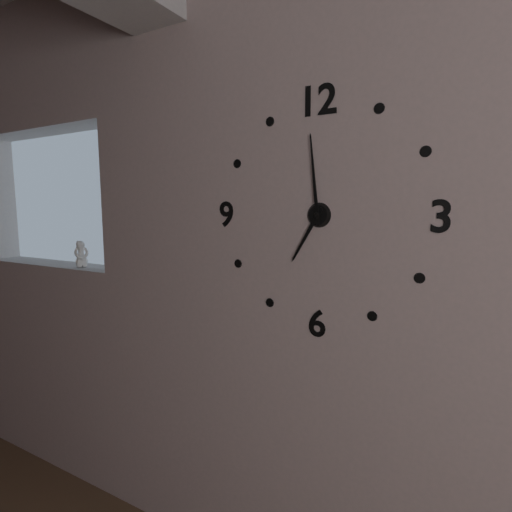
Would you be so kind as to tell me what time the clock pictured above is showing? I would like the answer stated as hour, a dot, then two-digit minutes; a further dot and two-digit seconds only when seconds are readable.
6.59
